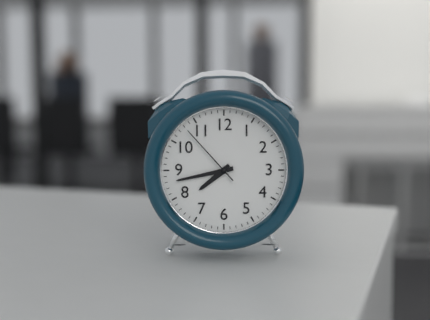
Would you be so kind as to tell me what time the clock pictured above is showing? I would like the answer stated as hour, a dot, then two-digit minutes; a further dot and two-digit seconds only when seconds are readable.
7.43.53
